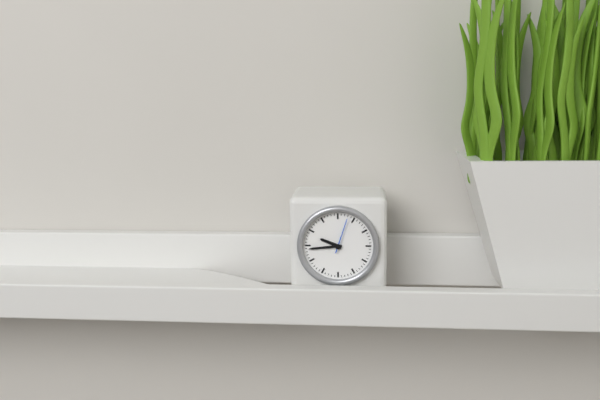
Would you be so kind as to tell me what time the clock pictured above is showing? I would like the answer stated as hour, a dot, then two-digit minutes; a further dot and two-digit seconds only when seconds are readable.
9.44
